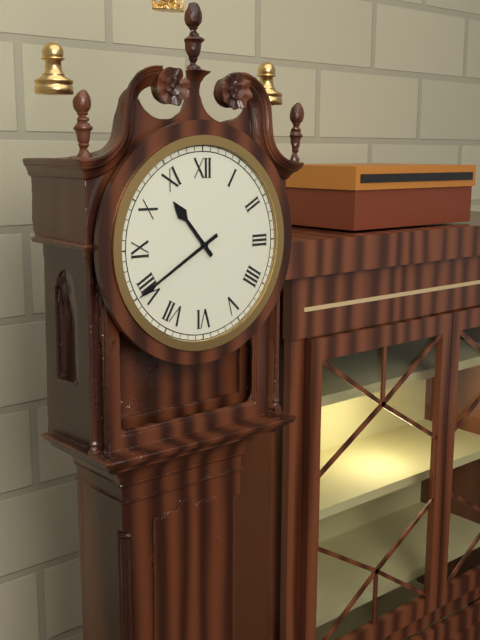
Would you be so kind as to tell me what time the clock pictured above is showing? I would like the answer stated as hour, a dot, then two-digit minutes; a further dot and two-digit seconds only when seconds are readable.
10.40
